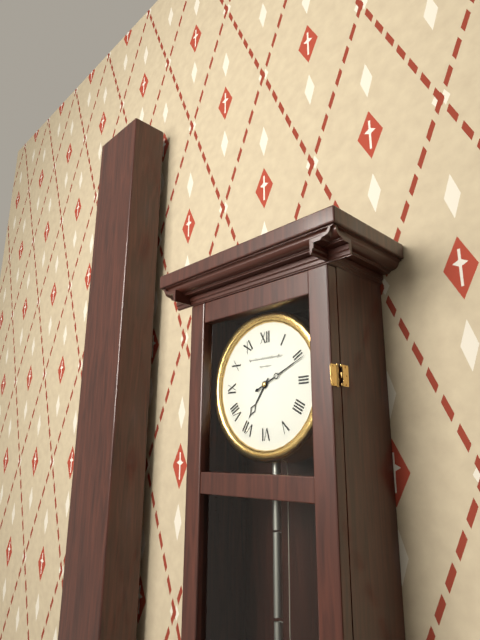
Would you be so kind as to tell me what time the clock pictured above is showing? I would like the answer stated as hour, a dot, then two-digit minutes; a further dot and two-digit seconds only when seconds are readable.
7.11
